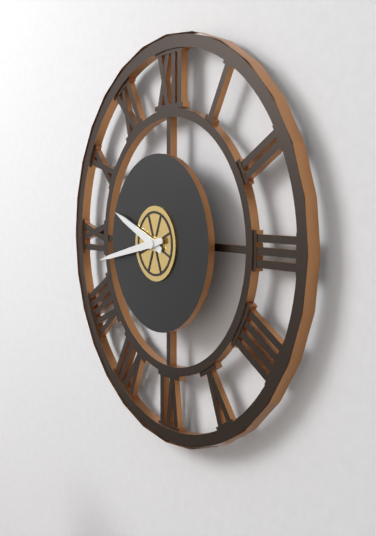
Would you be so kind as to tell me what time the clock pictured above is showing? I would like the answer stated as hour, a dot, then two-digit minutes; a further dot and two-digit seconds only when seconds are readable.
9.43
